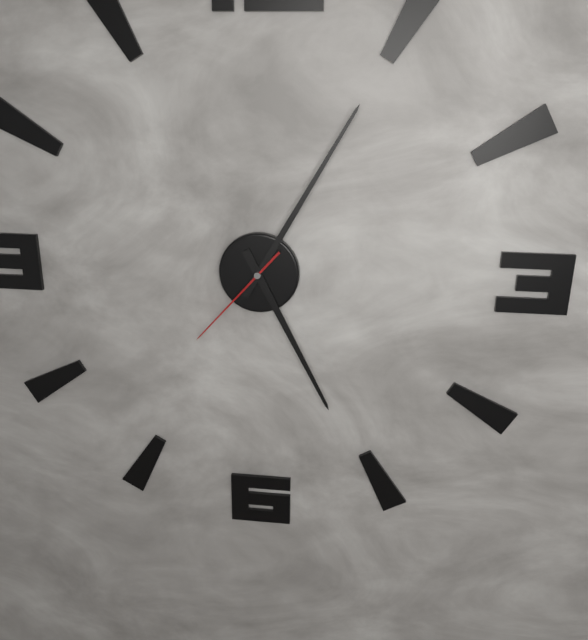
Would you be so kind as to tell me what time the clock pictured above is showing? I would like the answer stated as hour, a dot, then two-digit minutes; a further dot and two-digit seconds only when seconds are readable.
5.05.37
